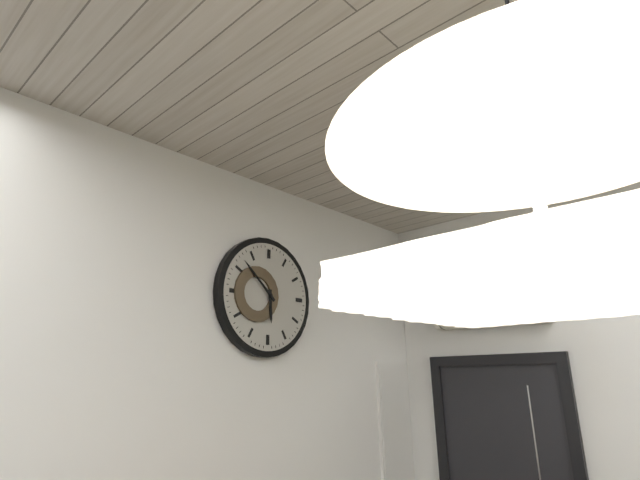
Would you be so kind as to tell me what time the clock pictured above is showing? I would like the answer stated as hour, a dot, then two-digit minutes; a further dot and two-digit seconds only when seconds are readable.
5.52
